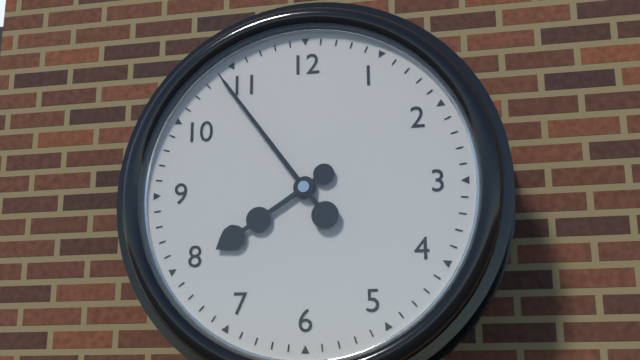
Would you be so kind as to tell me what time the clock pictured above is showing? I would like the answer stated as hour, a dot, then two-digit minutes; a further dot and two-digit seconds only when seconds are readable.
7.54
